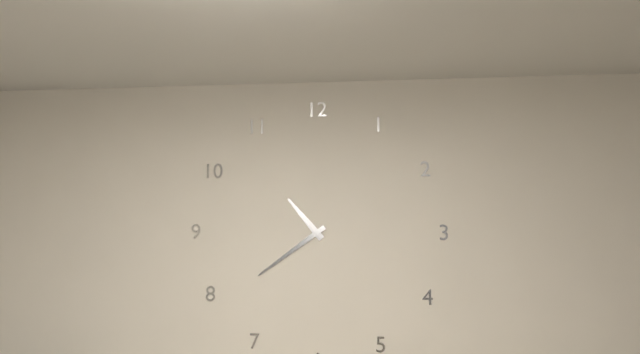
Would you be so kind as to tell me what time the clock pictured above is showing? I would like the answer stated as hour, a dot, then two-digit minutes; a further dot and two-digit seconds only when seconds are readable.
10.39
